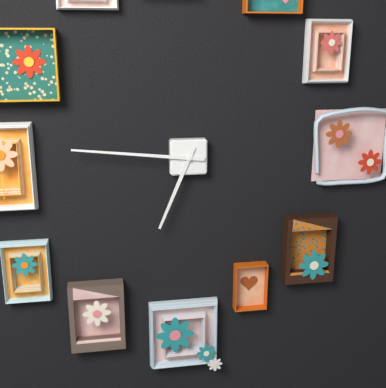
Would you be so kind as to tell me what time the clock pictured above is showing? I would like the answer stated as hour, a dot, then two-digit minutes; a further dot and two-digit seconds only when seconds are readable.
6.46
